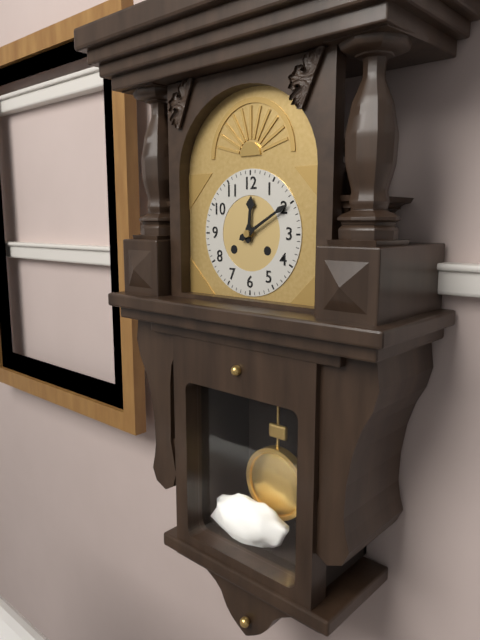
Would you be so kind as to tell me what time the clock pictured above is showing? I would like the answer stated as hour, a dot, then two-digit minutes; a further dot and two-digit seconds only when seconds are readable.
12.10
